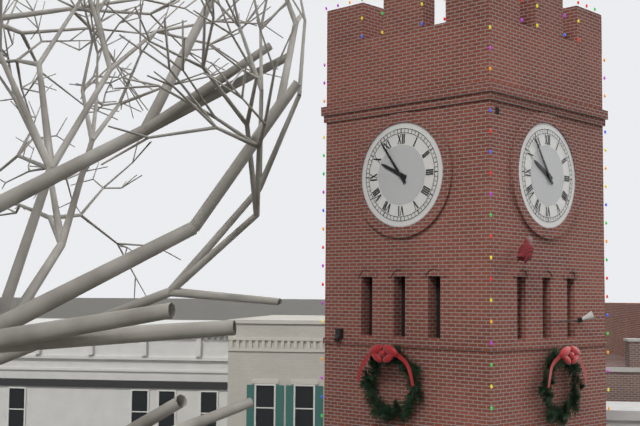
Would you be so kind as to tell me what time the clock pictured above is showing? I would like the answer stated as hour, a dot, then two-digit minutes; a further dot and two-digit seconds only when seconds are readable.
9.54
